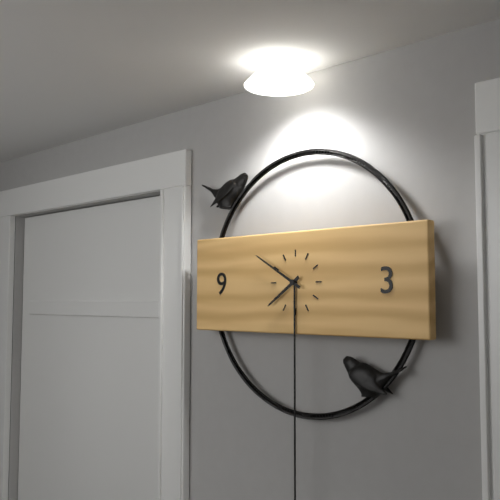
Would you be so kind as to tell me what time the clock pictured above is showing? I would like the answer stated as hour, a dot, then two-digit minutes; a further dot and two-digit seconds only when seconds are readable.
7.50
